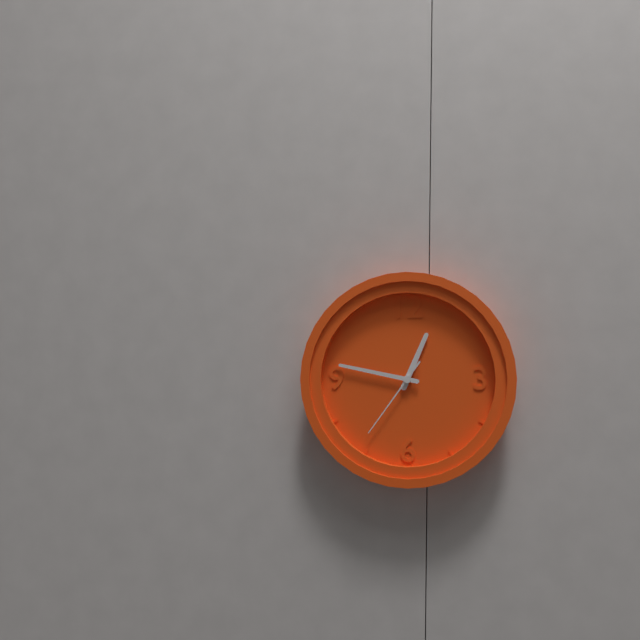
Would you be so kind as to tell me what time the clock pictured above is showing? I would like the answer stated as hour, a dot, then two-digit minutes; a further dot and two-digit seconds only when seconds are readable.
12.47.36
